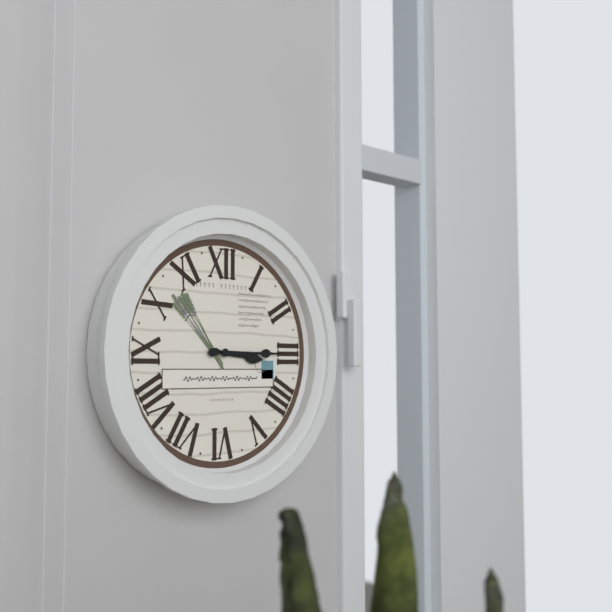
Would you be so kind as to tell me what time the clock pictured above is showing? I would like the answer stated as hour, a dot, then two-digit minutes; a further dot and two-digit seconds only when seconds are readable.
3.15
